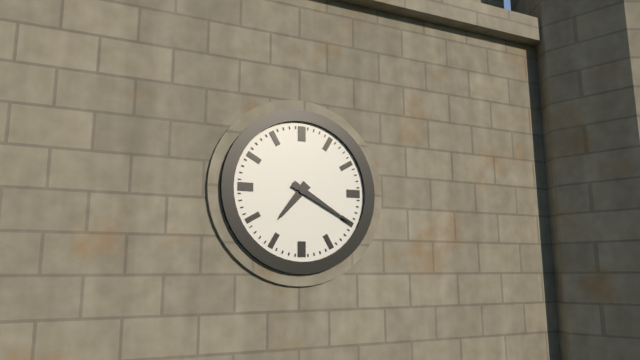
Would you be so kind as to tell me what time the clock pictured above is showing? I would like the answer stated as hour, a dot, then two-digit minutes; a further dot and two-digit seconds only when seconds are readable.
7.20
